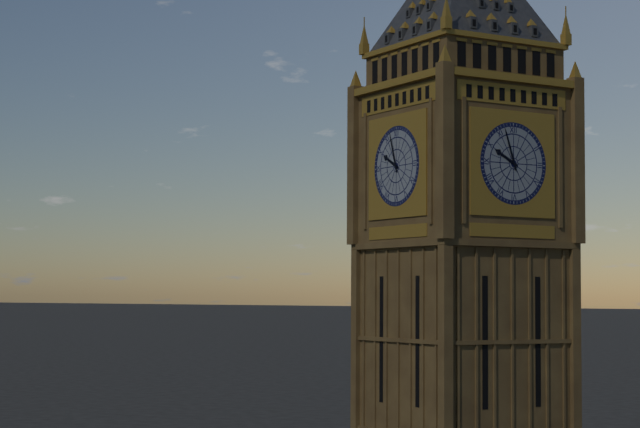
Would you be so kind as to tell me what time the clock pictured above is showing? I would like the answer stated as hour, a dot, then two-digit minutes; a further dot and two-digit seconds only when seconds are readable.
9.57
